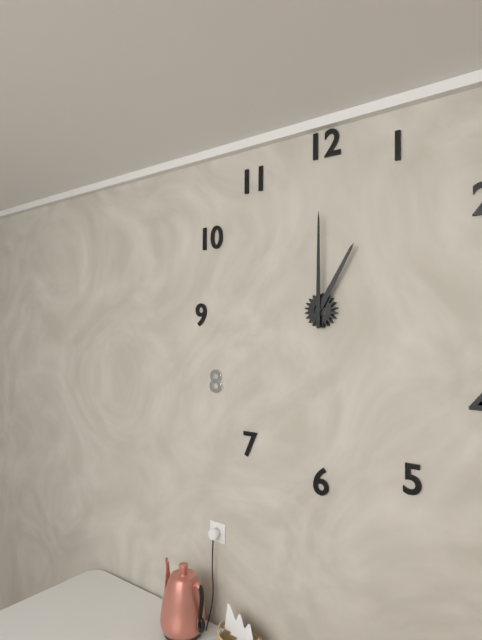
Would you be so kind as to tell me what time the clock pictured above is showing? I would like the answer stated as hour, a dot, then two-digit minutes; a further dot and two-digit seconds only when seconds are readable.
1.00
